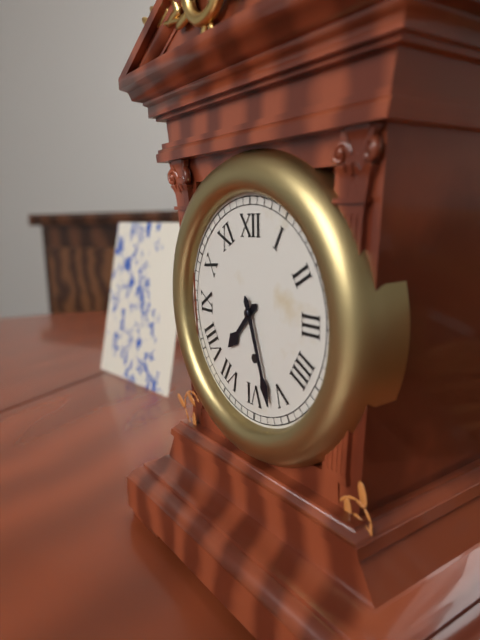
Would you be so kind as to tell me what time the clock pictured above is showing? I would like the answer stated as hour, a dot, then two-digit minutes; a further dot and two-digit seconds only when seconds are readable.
7.27
